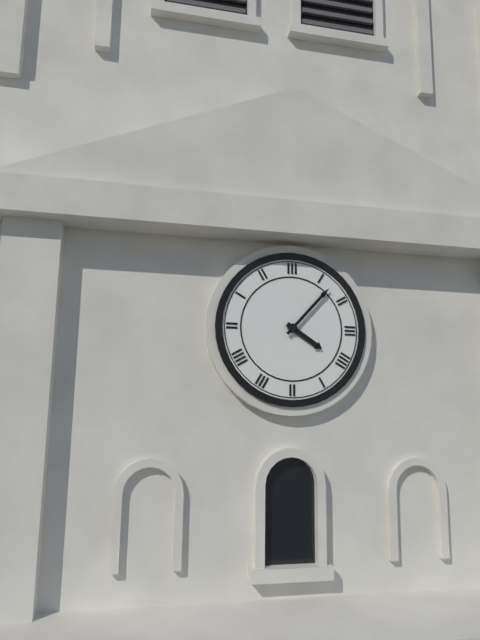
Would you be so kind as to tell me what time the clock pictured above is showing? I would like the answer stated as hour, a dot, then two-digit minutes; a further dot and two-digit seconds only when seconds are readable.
4.07
